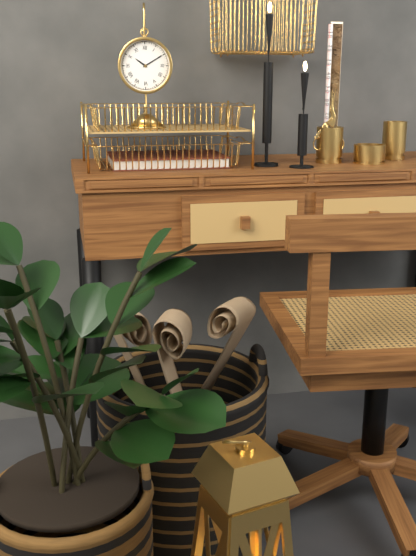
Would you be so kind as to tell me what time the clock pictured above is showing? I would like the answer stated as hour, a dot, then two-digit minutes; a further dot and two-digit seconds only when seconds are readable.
10.10
